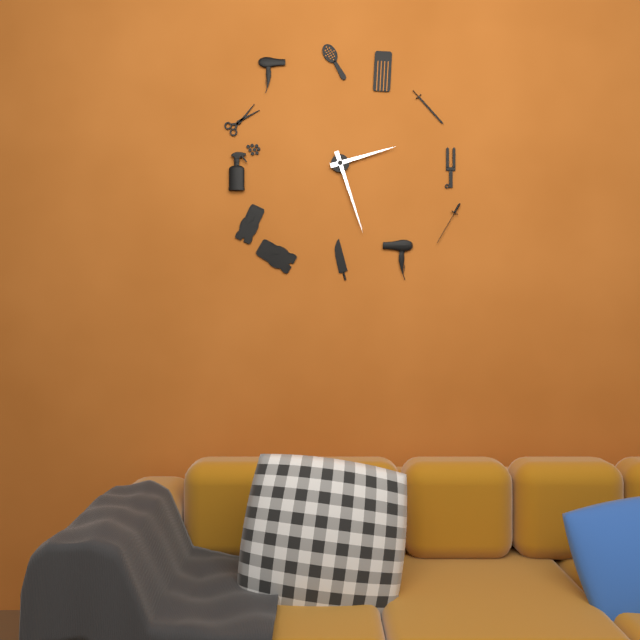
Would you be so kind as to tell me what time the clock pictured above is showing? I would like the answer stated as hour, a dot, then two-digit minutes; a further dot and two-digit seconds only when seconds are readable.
2.27
